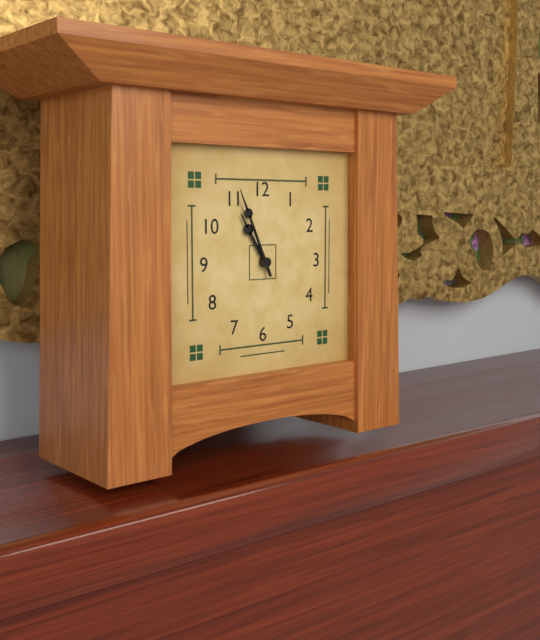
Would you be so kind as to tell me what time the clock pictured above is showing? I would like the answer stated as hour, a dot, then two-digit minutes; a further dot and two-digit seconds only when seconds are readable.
10.56
